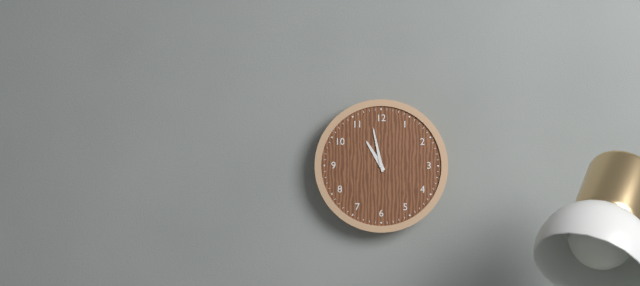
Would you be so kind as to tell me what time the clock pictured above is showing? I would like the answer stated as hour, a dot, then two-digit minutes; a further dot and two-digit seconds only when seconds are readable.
10.58
